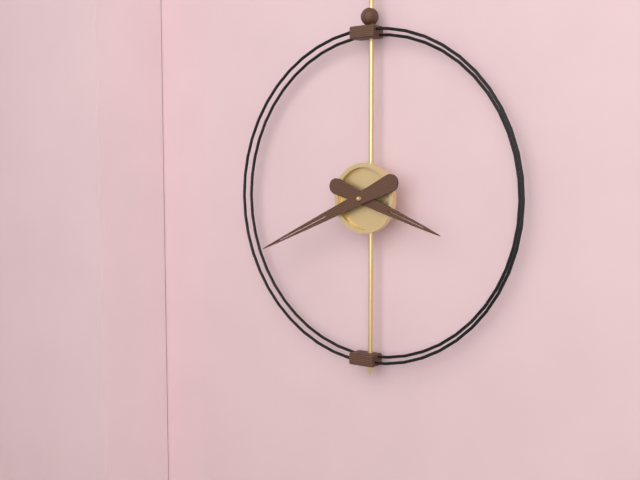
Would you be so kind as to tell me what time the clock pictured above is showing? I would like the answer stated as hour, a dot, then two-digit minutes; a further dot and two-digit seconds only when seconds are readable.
3.41
